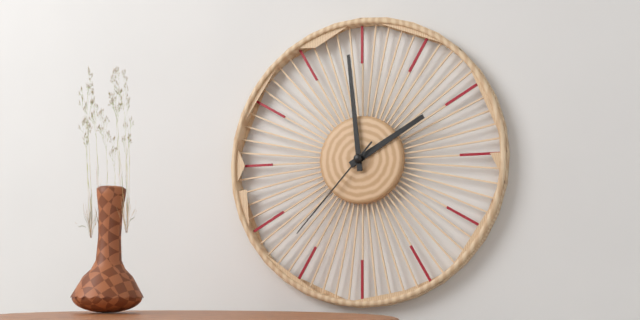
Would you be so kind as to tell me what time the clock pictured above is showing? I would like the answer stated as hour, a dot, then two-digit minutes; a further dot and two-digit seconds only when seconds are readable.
1.59.37
